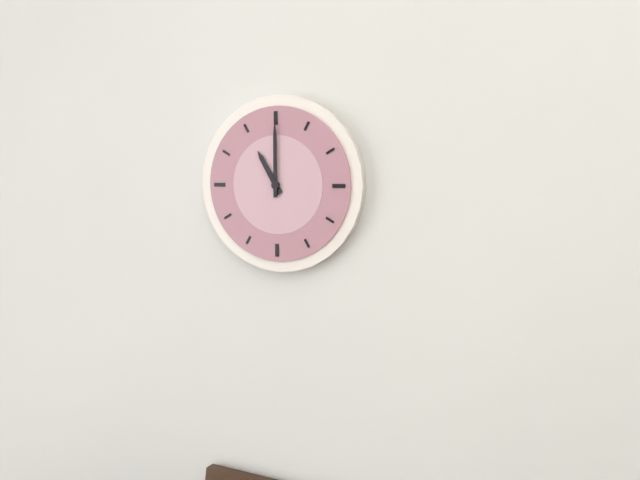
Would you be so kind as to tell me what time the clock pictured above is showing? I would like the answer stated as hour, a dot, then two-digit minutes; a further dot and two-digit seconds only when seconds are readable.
11.00
